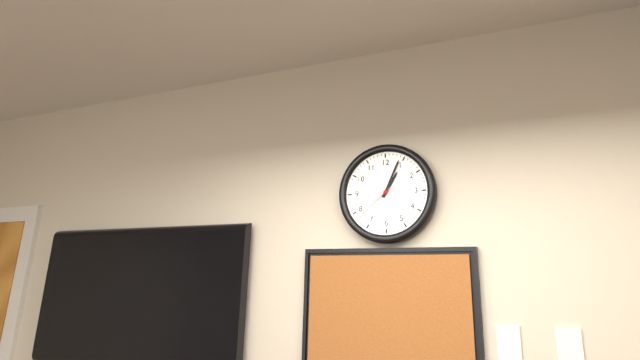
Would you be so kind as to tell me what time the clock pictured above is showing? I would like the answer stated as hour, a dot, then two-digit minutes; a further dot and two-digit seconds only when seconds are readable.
1.04
